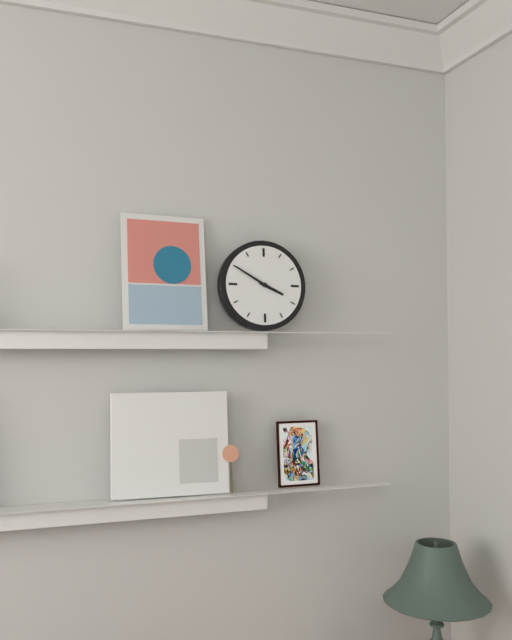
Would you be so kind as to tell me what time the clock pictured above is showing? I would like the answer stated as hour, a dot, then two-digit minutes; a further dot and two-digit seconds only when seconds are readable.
3.50
